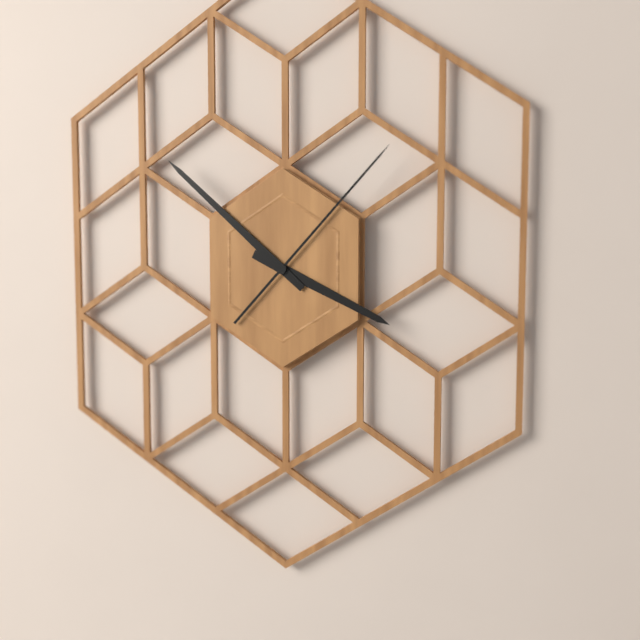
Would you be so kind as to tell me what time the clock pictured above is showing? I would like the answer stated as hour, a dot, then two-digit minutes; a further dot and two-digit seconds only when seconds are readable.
3.52.07
